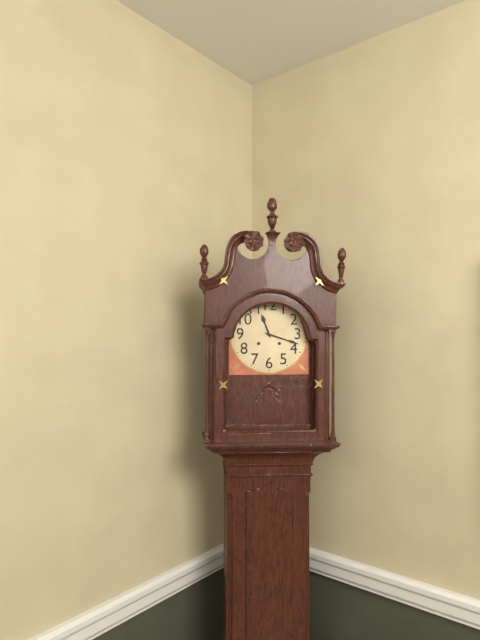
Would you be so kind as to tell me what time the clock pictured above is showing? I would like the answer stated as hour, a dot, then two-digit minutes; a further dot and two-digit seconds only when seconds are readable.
11.18
